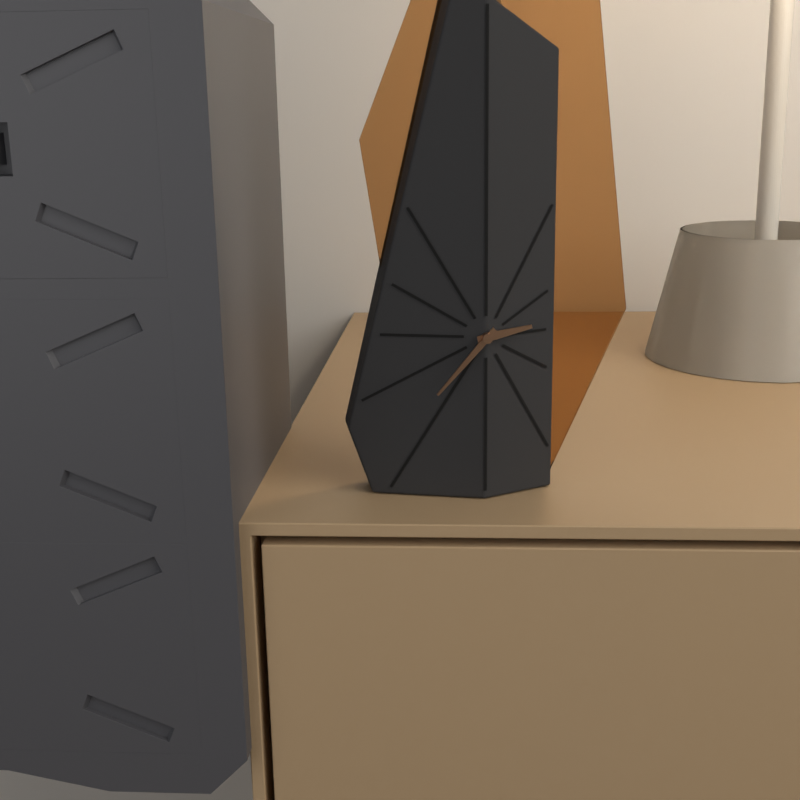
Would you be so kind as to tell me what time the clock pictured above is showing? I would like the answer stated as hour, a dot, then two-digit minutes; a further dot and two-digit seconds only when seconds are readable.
2.37
